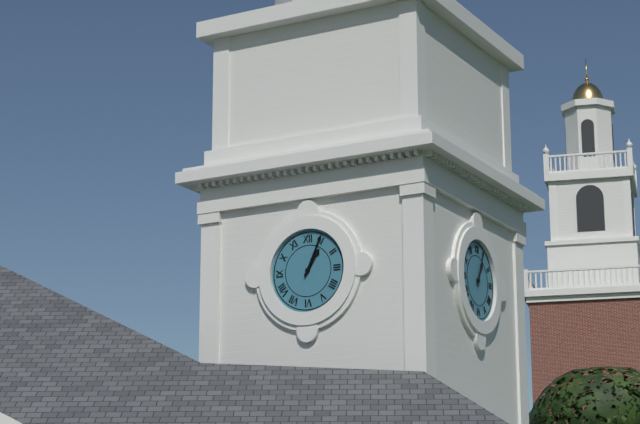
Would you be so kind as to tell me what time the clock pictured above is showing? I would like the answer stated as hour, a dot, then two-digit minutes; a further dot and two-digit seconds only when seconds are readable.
1.04
